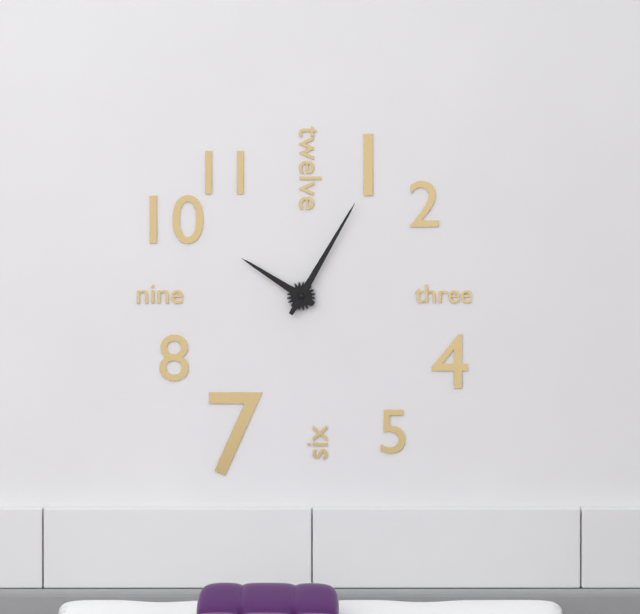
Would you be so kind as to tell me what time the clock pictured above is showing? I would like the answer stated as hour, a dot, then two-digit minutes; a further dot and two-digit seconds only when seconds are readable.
10.05
